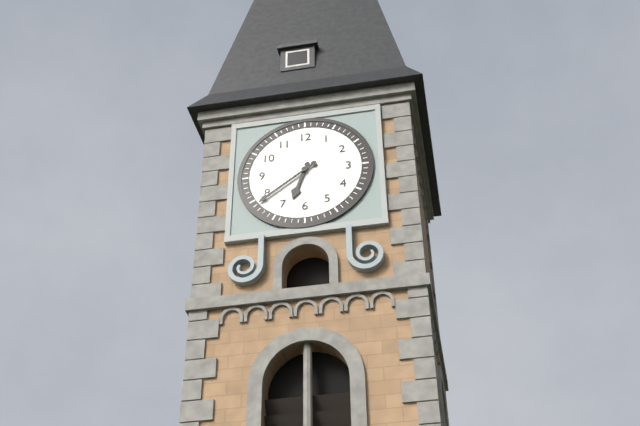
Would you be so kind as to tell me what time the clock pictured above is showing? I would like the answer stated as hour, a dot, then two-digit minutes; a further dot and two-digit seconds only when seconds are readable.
6.39
